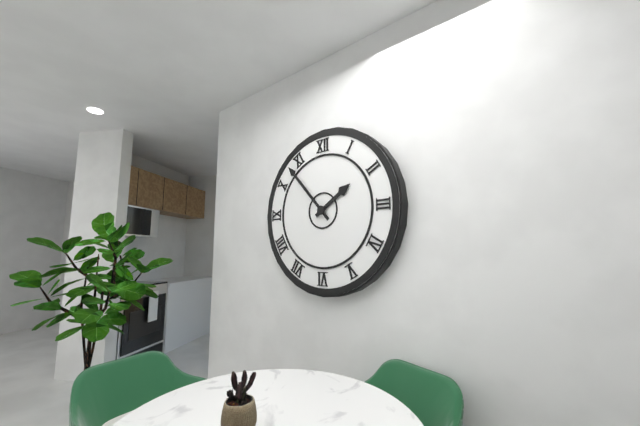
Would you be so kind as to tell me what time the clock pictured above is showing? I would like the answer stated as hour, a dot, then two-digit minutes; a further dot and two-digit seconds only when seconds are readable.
1.53
